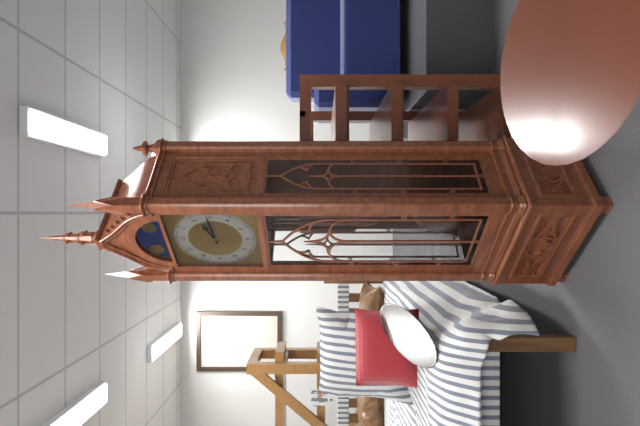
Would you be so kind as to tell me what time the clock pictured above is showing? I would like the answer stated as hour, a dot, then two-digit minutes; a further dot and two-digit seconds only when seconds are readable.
2.14
